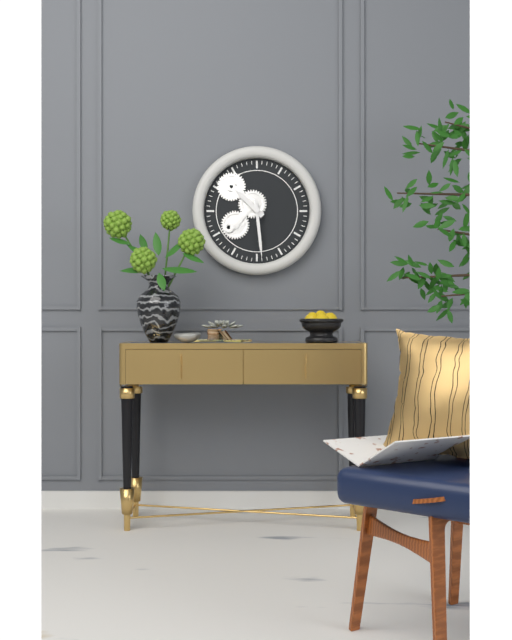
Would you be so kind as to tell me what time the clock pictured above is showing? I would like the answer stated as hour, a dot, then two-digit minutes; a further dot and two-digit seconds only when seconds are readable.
10.29
